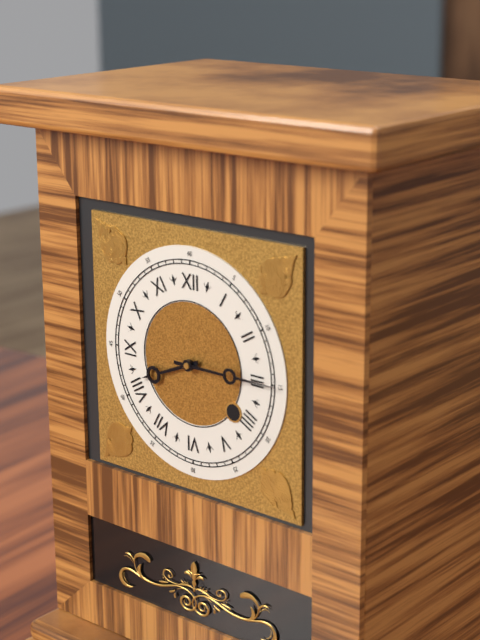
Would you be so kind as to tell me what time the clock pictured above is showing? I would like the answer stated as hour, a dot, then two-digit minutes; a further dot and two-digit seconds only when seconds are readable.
8.15
